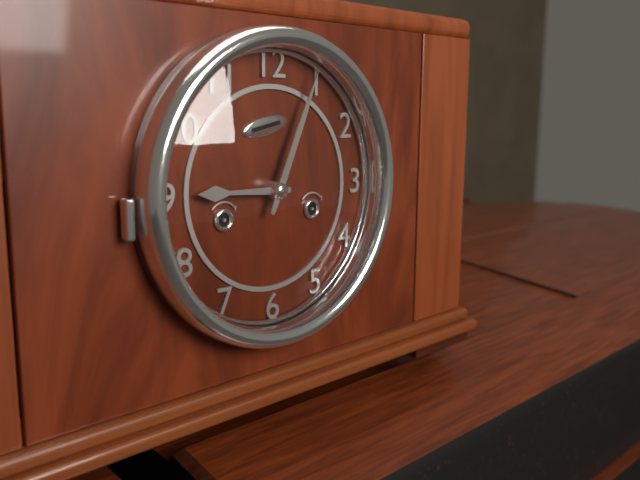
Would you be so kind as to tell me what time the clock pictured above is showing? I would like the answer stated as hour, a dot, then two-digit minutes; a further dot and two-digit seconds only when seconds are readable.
9.04
